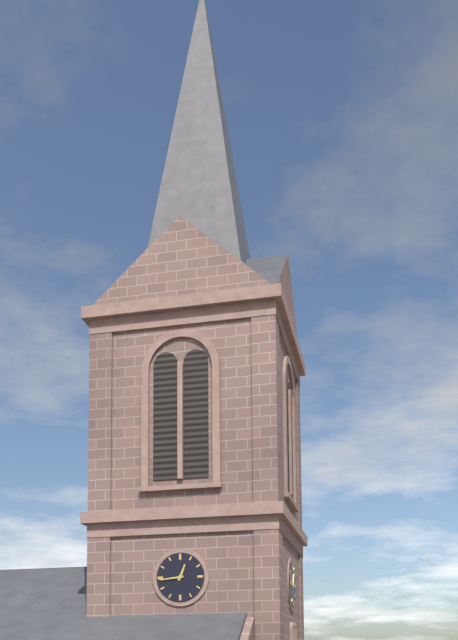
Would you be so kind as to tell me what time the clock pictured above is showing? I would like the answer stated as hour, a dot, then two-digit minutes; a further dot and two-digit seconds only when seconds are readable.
12.44
